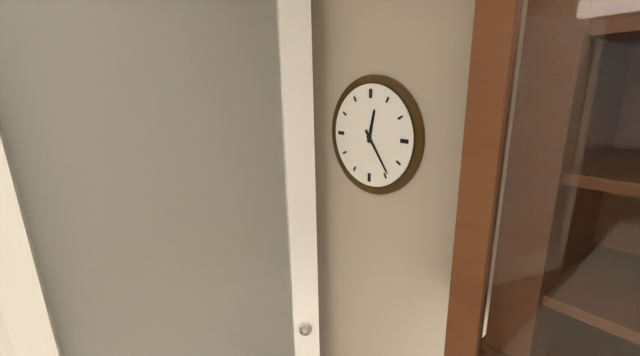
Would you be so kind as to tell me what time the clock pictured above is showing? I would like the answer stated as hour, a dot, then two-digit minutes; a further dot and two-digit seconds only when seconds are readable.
12.24
